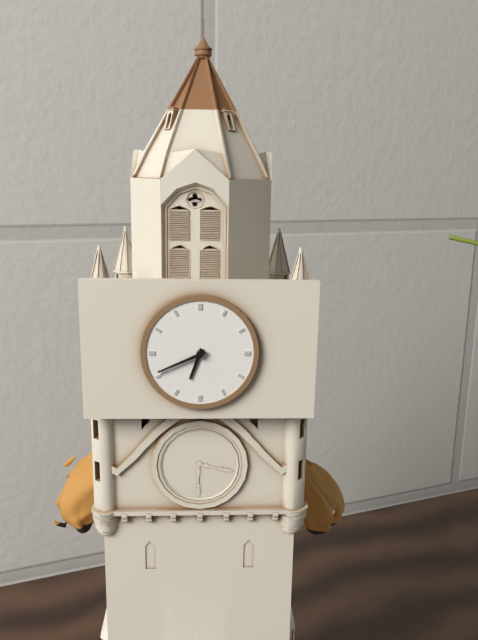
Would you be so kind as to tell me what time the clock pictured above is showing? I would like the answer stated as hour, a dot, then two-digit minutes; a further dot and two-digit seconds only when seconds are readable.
6.41
